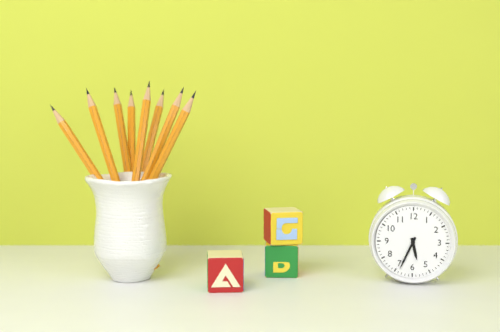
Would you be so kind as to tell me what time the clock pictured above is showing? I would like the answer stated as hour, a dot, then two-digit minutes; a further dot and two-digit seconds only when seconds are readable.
5.34
